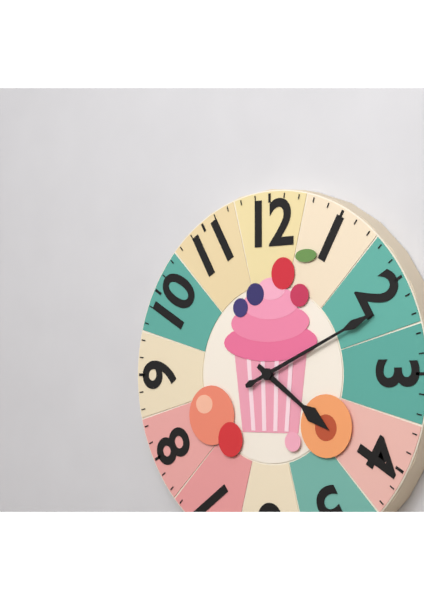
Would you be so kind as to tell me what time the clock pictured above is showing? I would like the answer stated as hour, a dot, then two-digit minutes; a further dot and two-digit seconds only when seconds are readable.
4.11
